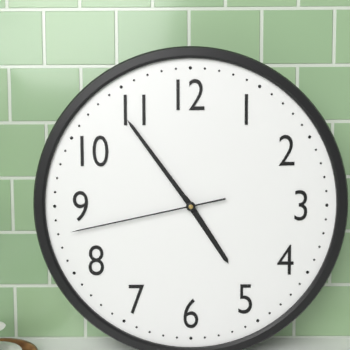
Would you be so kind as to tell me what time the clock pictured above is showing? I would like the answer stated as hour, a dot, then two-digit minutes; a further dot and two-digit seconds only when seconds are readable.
4.54.43
